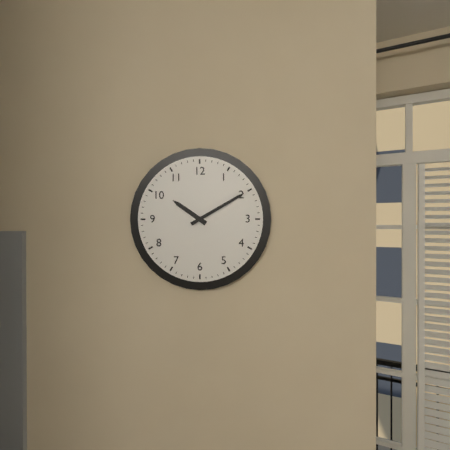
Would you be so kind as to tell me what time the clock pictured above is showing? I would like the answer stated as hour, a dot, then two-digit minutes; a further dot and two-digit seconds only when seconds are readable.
10.10
